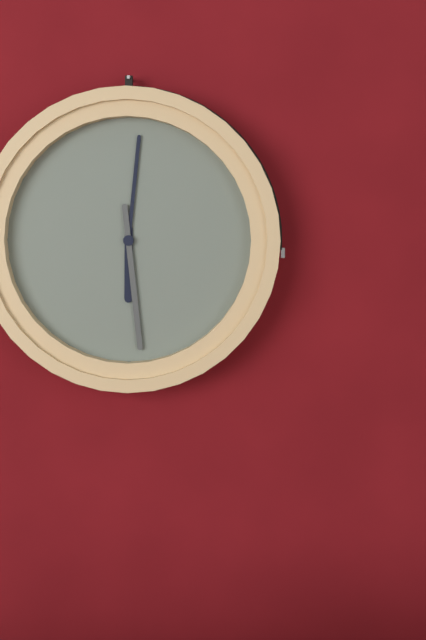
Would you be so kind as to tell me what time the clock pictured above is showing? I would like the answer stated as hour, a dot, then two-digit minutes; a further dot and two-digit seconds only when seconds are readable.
6.01.29
